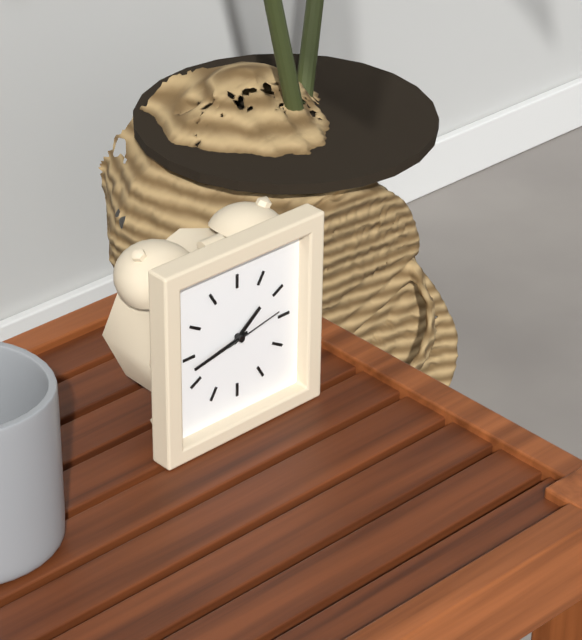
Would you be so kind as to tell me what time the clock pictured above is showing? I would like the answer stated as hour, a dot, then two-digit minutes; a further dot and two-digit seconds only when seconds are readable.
1.43.13
